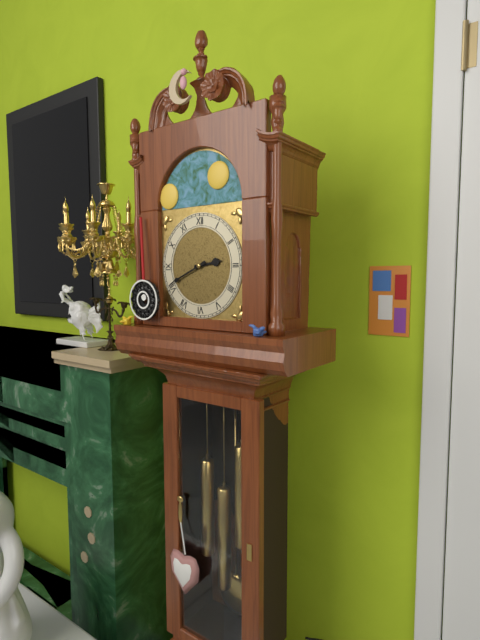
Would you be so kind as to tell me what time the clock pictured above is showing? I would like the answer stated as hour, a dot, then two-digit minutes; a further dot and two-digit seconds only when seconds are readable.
2.41
